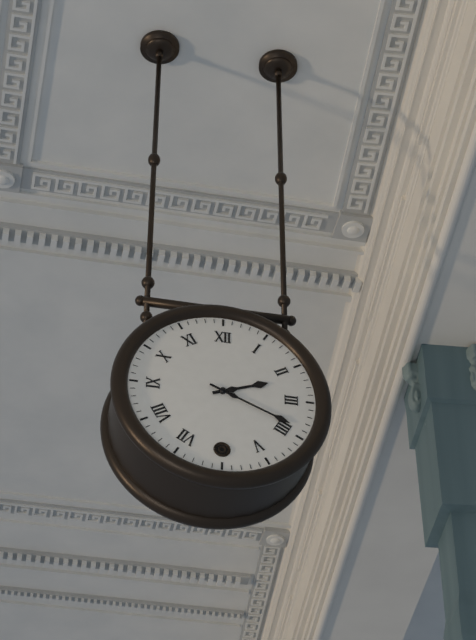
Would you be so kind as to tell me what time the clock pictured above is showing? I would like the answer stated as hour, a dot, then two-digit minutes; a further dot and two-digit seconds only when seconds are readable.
2.19
